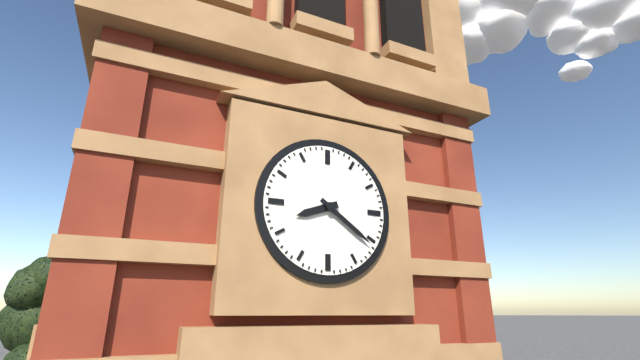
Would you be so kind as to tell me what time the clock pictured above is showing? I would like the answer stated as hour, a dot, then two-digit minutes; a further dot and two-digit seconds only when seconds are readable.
8.21
